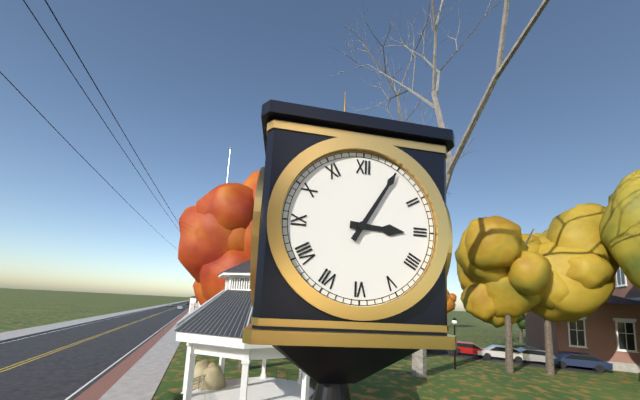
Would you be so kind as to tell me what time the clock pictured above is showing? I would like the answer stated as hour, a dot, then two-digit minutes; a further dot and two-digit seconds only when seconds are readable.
3.05
